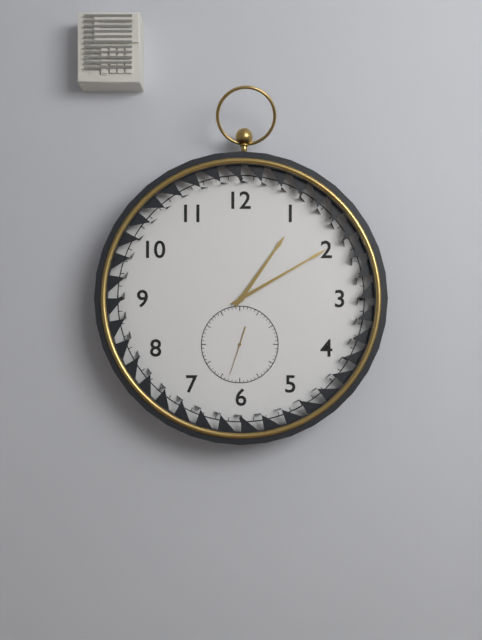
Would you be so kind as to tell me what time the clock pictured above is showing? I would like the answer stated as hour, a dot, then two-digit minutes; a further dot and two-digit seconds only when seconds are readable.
1.10
